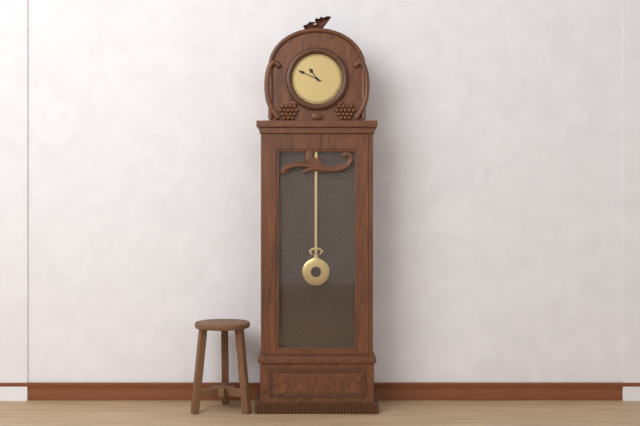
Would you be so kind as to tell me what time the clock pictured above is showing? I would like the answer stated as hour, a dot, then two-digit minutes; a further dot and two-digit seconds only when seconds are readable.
10.49
